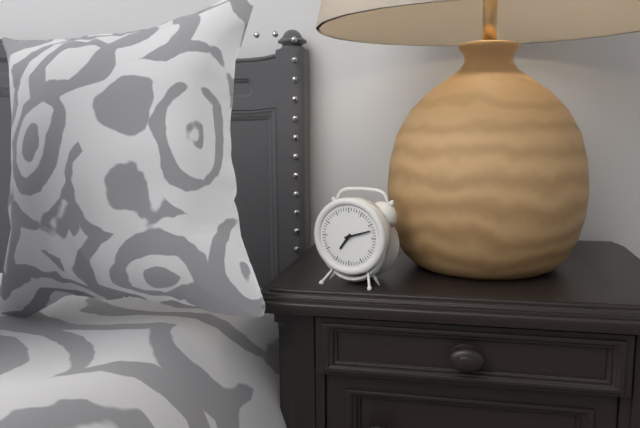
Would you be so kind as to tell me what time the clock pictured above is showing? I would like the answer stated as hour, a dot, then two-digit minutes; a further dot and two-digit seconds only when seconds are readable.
7.12
